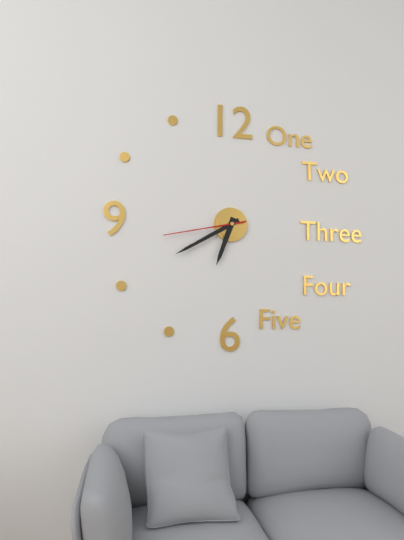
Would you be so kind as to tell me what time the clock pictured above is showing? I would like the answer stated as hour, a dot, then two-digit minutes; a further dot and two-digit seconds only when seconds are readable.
6.40.43
